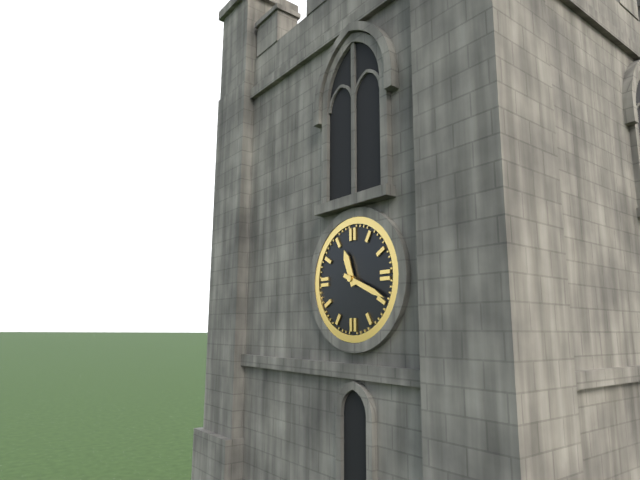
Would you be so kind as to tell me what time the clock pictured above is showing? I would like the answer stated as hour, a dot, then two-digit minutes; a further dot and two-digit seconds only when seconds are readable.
11.19
